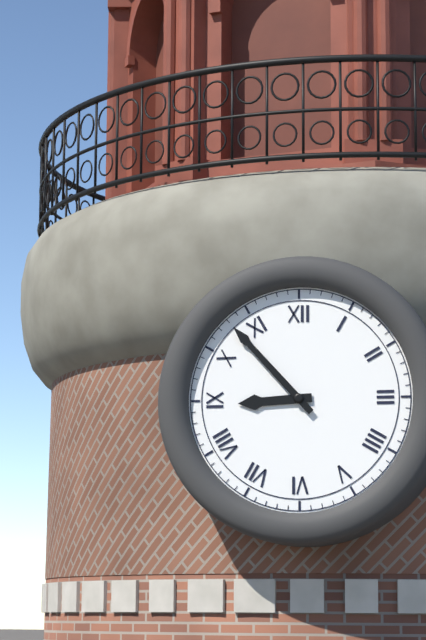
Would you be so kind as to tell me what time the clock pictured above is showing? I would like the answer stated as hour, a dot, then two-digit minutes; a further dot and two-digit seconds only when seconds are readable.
8.53
